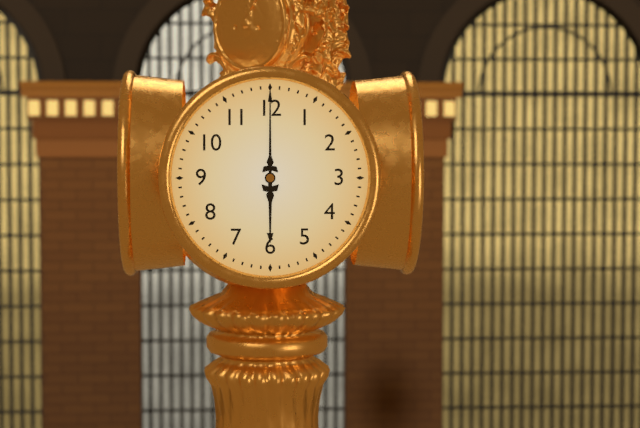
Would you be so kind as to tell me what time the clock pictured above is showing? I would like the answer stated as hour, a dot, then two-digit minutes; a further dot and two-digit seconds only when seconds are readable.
6.00
